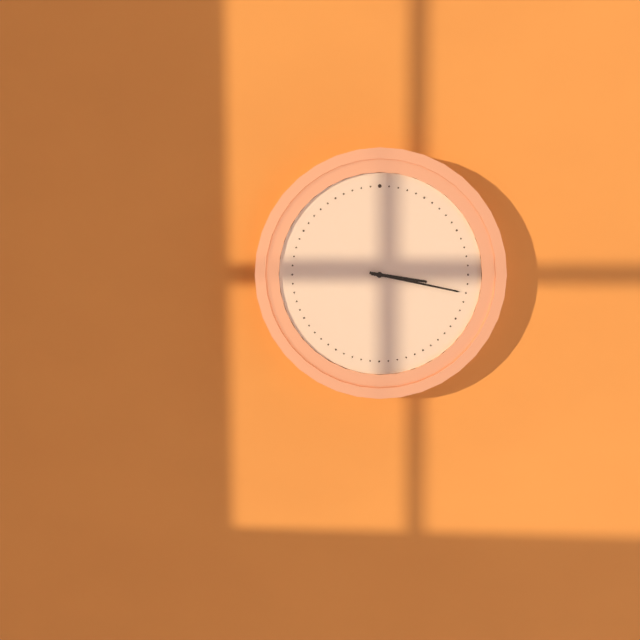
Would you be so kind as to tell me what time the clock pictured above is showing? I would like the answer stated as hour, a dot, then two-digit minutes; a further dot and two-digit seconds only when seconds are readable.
3.17
